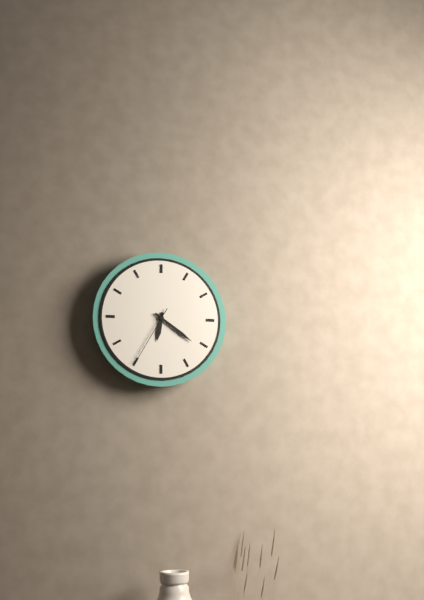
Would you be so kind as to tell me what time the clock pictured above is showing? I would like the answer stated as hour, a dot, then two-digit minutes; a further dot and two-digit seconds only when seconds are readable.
6.21.35
